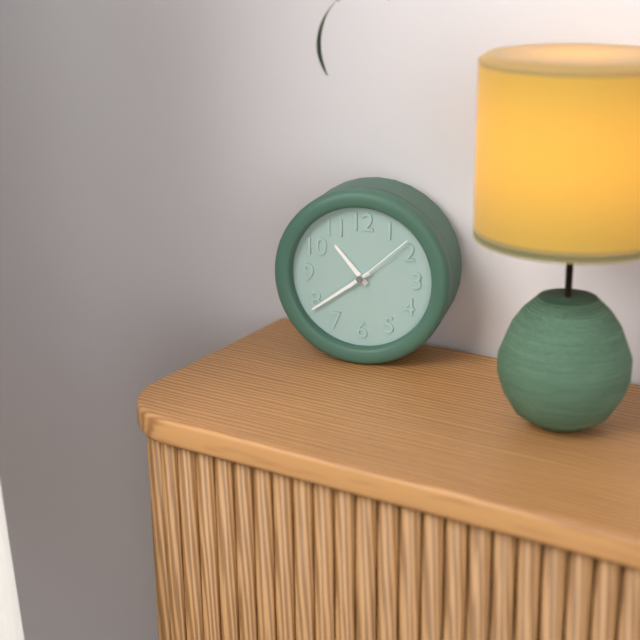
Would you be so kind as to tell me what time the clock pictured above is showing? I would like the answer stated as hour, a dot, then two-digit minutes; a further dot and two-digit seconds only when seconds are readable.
10.39.08
